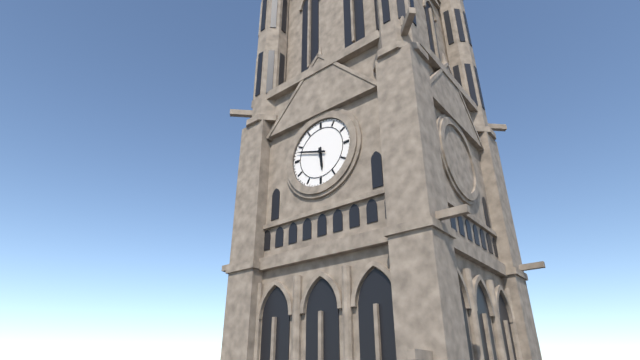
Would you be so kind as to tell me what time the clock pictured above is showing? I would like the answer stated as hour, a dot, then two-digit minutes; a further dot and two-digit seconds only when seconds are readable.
5.48
